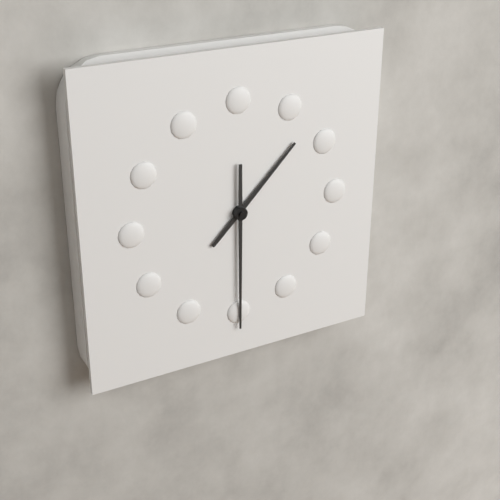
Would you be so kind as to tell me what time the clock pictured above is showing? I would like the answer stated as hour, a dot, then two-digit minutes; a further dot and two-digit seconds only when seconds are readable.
1.30
